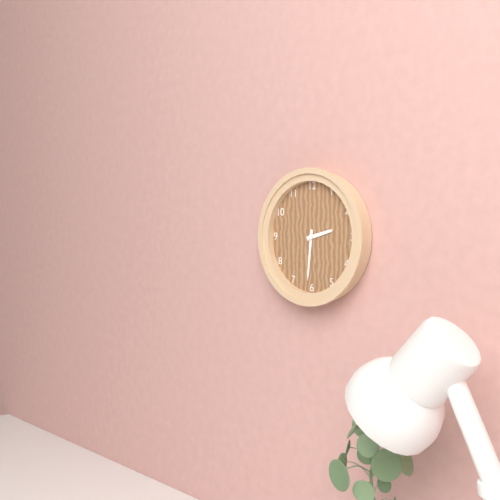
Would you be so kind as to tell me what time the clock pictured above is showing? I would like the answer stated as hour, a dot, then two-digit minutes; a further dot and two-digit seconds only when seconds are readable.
2.31
